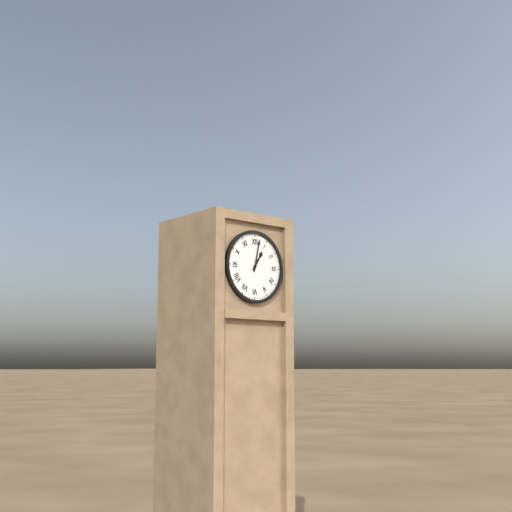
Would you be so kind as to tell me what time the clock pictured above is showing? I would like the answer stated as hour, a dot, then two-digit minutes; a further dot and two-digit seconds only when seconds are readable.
1.02
